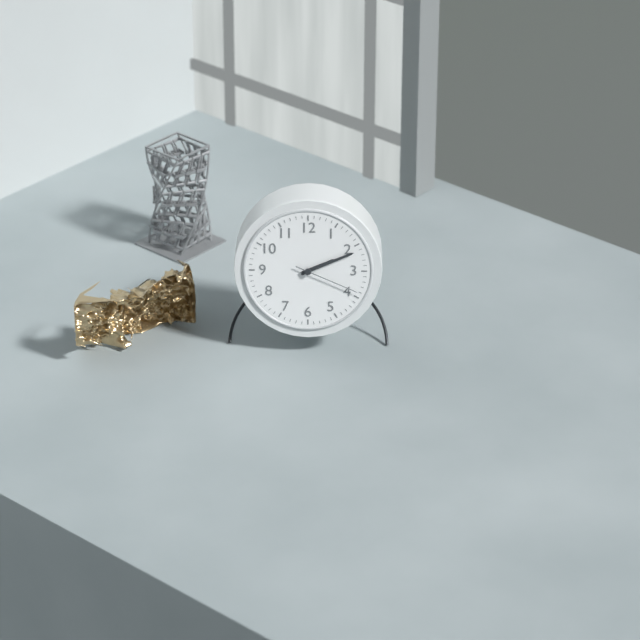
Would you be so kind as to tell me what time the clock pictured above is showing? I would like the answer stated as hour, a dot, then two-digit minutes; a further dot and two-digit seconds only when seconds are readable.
2.11.19
